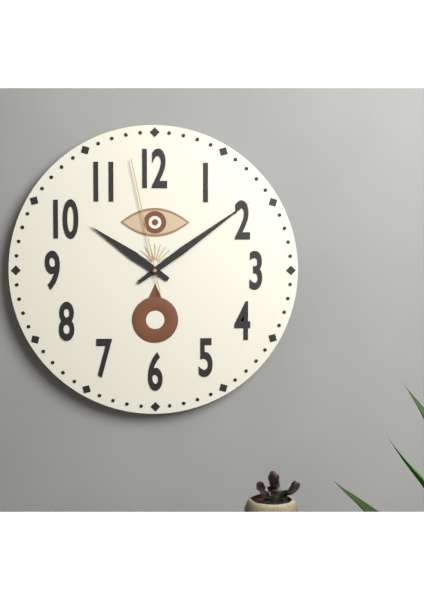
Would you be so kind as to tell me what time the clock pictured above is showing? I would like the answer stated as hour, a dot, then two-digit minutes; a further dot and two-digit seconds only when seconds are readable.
10.09.58
